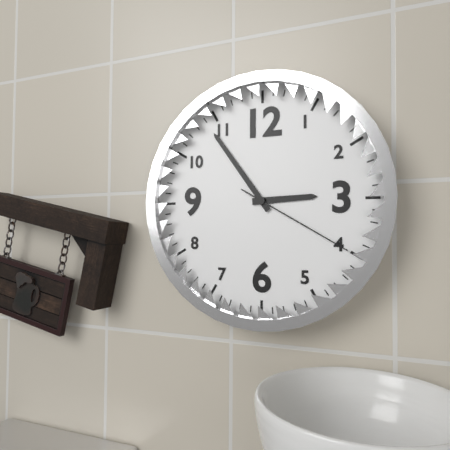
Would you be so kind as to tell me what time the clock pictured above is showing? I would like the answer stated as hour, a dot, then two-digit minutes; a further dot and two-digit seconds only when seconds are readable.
2.54.20
